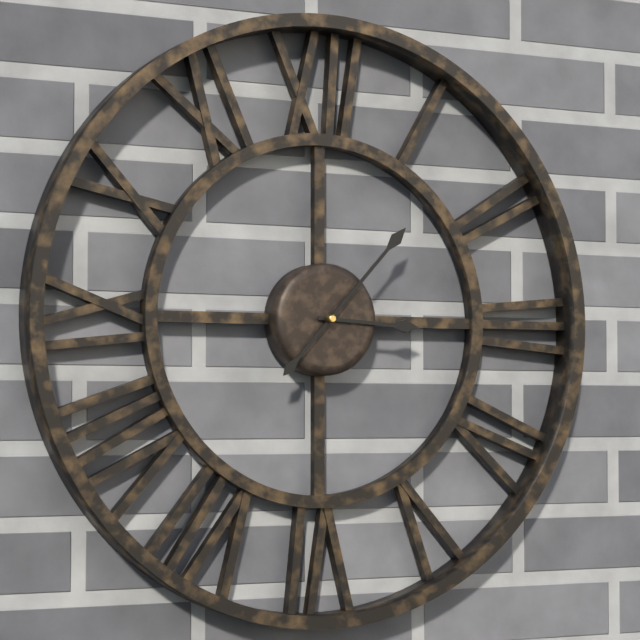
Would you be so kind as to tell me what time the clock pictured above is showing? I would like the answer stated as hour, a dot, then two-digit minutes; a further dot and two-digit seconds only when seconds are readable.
3.07
